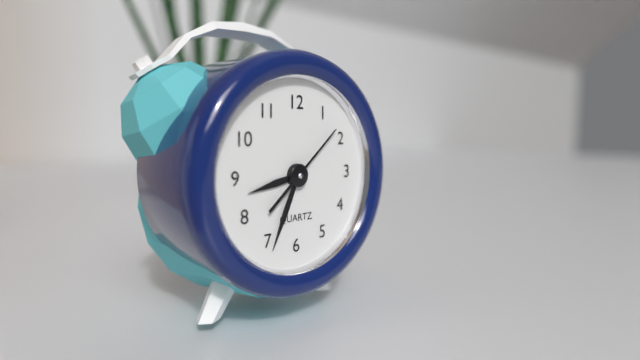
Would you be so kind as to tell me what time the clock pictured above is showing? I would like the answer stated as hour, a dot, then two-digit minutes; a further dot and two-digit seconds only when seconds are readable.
8.34.08
